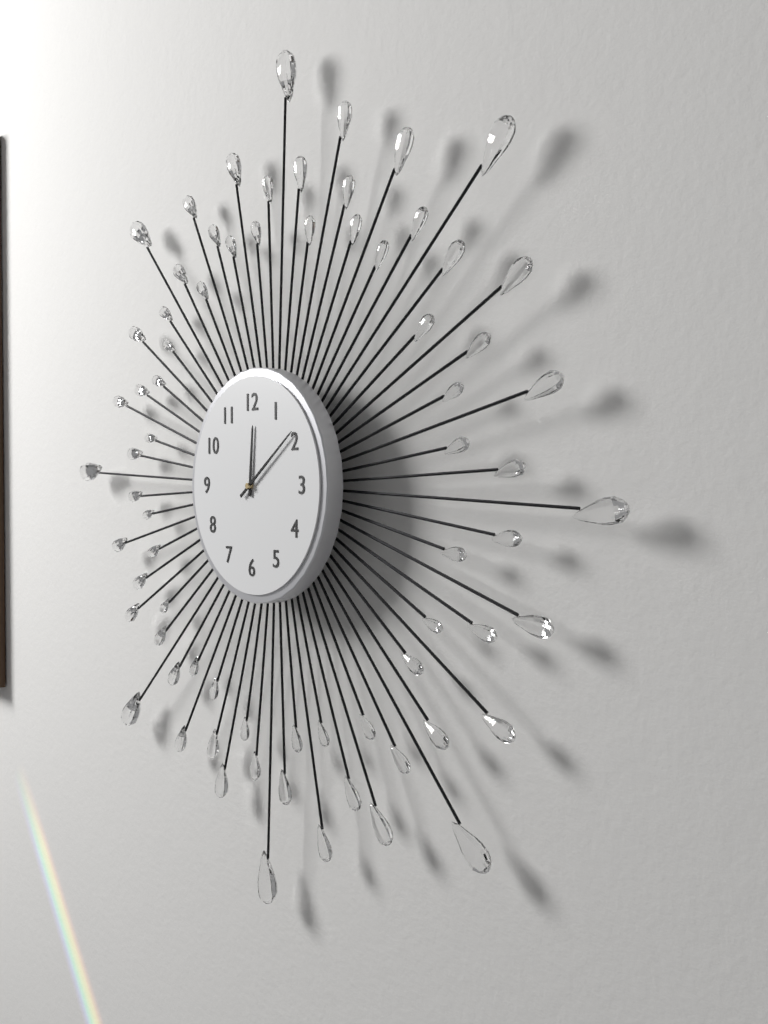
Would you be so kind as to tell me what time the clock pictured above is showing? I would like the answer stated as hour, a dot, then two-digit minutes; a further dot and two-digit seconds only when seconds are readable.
12.09
